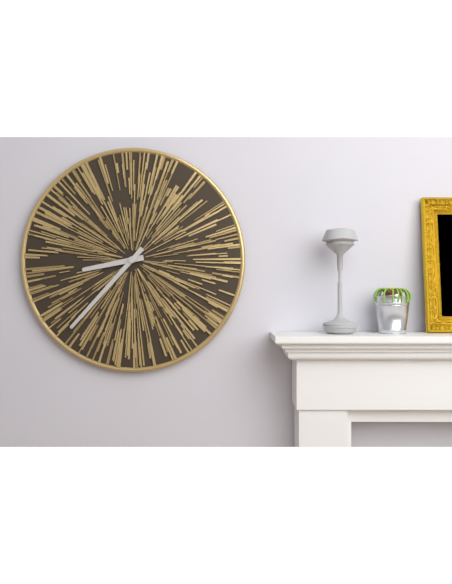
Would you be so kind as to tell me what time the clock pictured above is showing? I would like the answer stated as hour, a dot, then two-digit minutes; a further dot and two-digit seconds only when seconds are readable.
8.37
